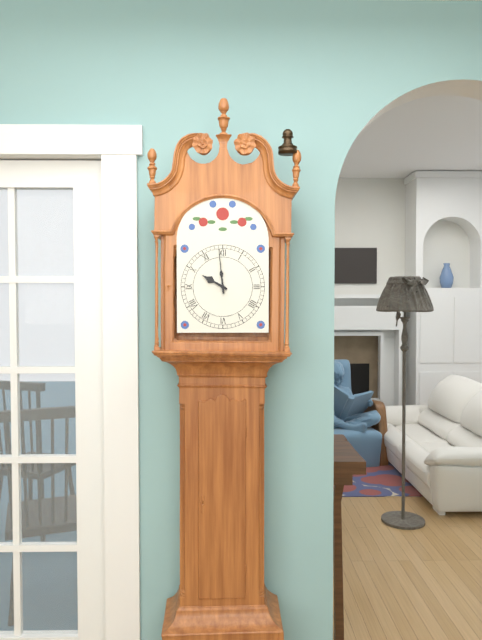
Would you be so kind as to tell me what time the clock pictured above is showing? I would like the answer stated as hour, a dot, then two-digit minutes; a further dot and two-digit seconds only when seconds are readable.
9.59
